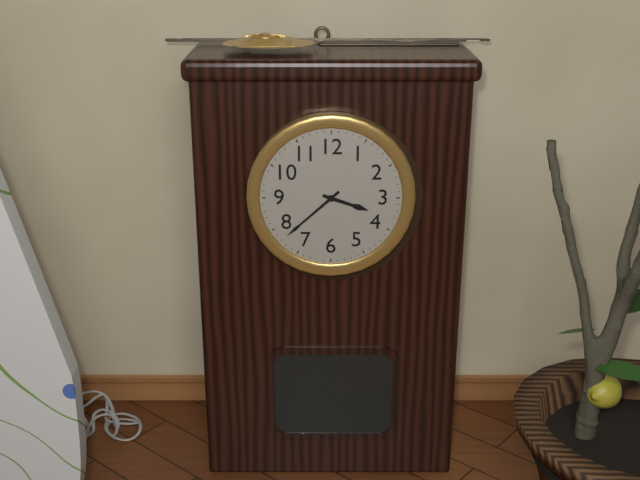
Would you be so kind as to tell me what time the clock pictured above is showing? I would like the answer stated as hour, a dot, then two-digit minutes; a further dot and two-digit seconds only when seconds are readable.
3.38
